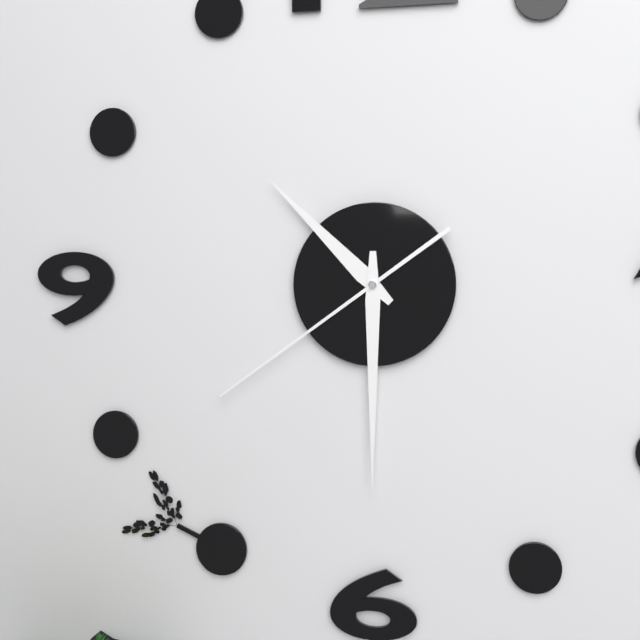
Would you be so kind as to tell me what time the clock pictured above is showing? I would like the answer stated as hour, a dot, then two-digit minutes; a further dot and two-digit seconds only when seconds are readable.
10.30.39
